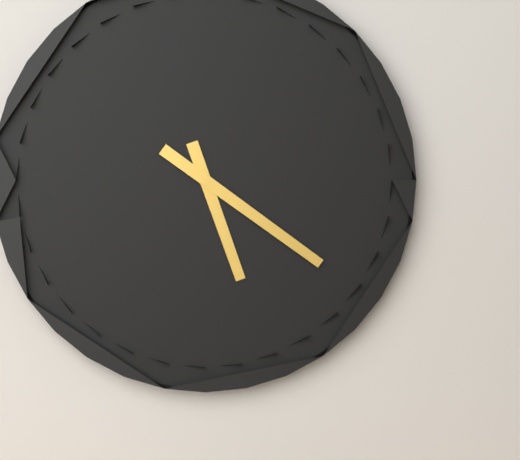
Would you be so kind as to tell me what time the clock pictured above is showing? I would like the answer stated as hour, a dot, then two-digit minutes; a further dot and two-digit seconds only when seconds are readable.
5.21
